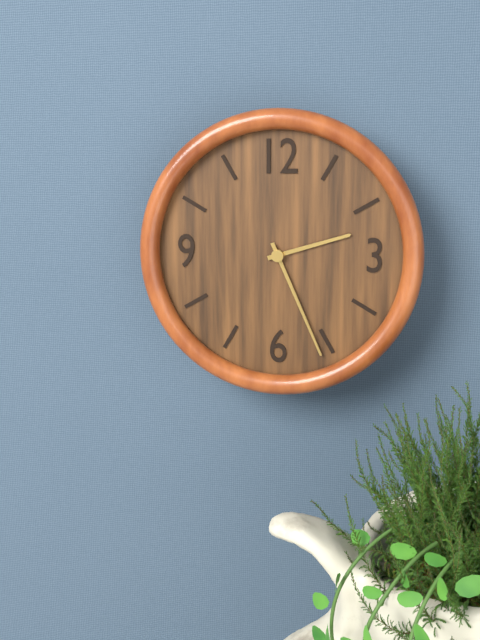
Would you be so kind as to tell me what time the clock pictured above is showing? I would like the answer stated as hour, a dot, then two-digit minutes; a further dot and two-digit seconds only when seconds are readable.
2.26
